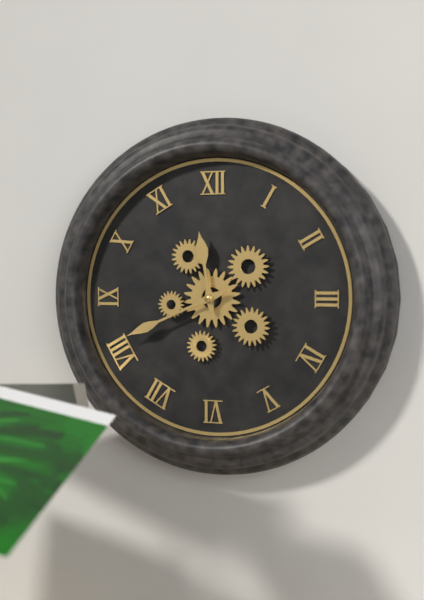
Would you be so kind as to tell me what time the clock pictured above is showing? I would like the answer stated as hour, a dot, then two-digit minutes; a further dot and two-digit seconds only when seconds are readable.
11.41
